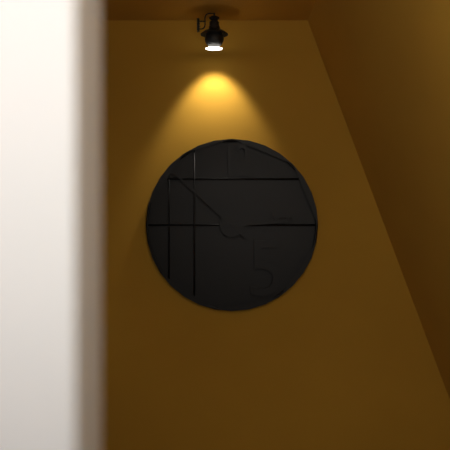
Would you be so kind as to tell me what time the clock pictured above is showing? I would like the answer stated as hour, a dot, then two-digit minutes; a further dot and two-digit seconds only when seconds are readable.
2.52
